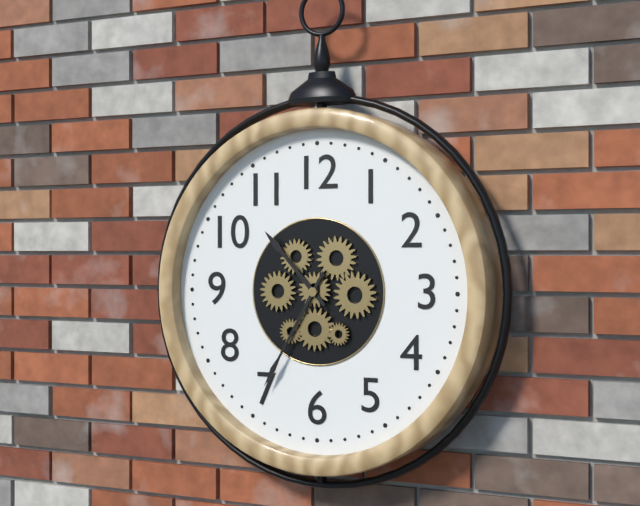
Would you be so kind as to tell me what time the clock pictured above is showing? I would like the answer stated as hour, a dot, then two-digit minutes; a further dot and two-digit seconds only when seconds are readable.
10.35
